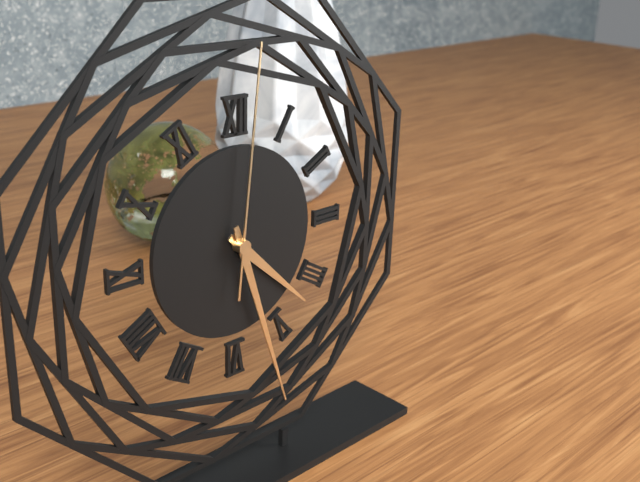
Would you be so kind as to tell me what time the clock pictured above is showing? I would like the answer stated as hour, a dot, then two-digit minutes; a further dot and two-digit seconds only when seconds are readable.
4.27.01
